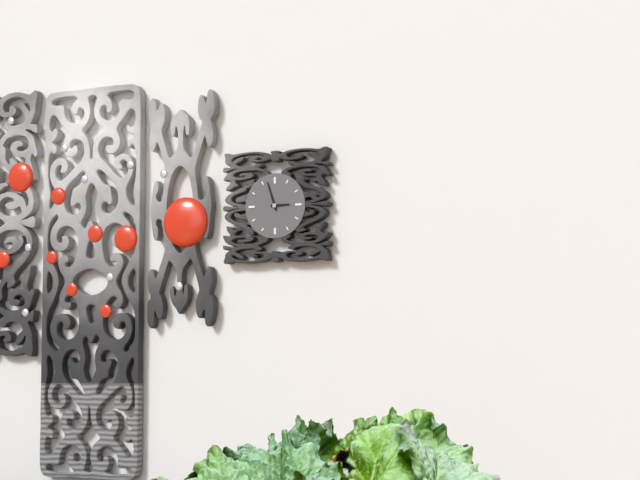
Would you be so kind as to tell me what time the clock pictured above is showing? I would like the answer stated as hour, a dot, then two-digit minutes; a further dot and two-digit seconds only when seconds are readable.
2.57
